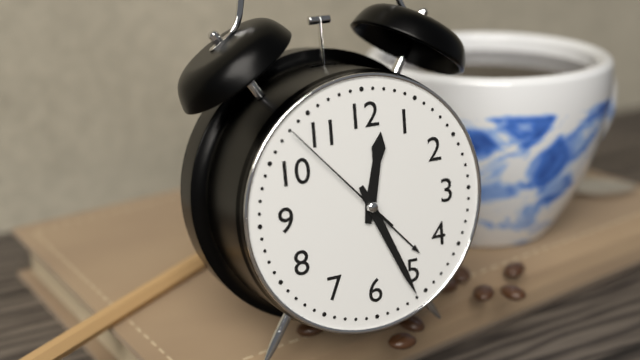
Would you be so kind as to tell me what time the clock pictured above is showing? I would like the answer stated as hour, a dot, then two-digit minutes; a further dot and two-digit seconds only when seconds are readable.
12.26.53
